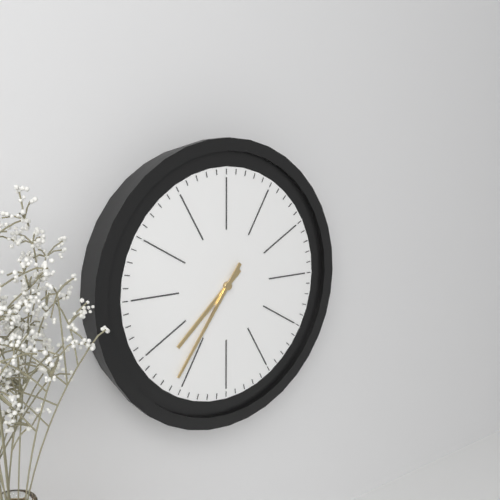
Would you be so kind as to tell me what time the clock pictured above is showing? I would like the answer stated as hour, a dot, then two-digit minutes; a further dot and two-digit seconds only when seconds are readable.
7.36
